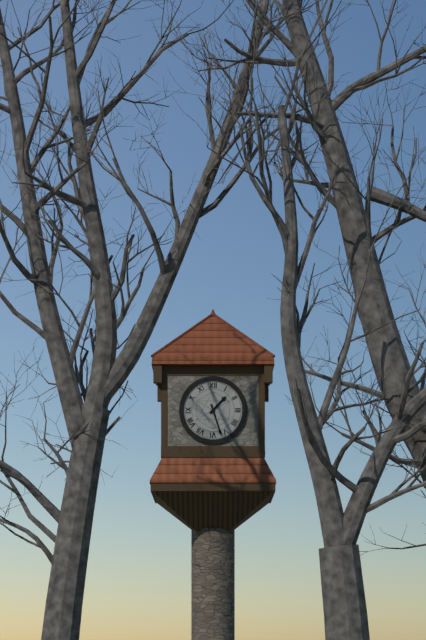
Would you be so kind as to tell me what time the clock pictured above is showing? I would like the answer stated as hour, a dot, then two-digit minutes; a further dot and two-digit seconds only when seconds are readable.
1.27
